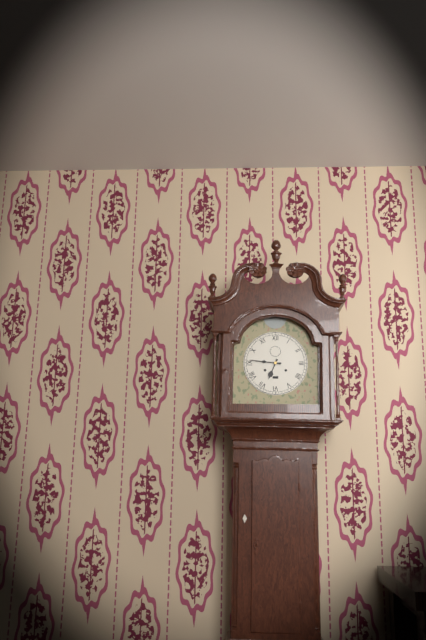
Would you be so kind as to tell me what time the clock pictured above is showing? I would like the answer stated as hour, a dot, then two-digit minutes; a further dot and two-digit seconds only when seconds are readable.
6.46
